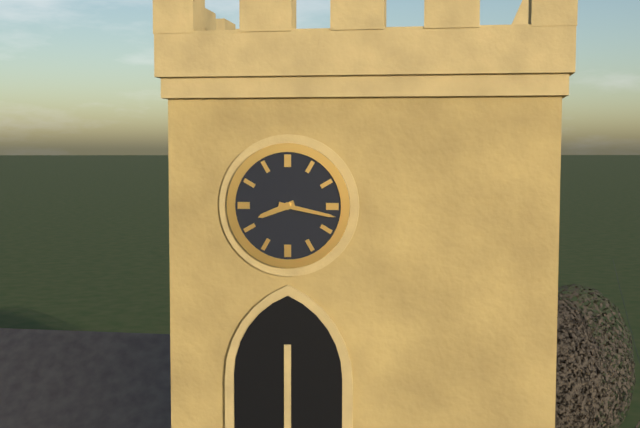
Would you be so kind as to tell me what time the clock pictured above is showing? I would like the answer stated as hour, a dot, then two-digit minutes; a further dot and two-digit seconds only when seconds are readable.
8.17
